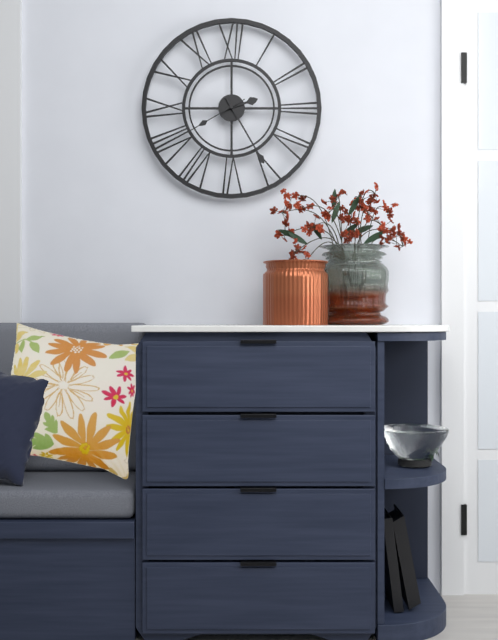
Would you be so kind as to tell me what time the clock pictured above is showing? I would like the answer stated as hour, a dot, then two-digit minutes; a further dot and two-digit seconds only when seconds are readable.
2.25.40
